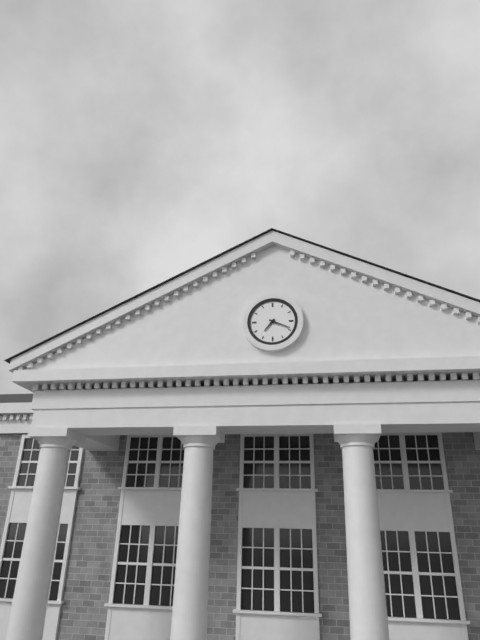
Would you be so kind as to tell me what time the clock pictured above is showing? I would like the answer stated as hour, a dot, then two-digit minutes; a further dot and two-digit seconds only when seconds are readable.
7.19
